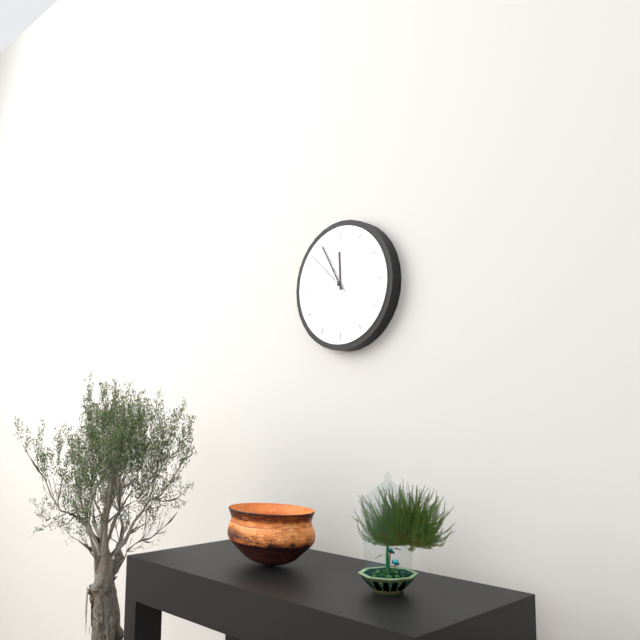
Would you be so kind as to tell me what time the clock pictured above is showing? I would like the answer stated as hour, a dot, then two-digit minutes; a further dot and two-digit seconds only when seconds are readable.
11.55
